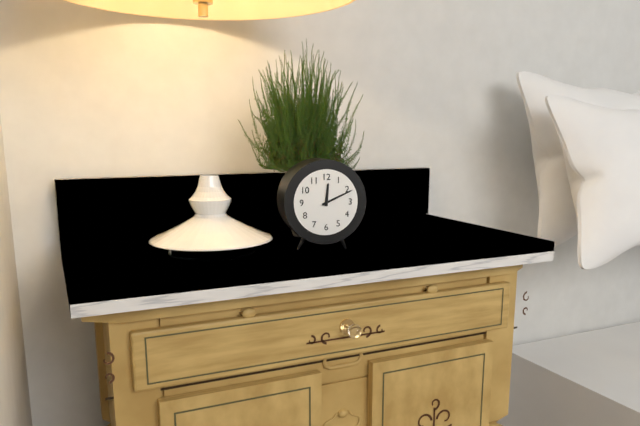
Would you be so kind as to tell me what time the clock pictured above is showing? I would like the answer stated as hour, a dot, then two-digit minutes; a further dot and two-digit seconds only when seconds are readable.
12.11
